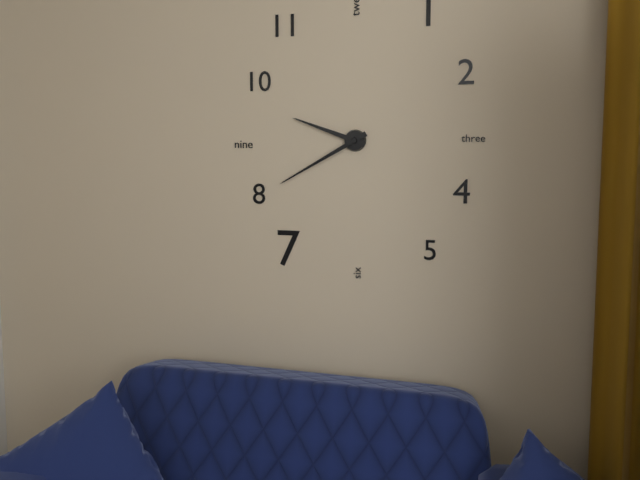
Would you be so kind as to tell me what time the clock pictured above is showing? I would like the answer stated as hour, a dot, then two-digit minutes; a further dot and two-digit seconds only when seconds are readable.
9.40
